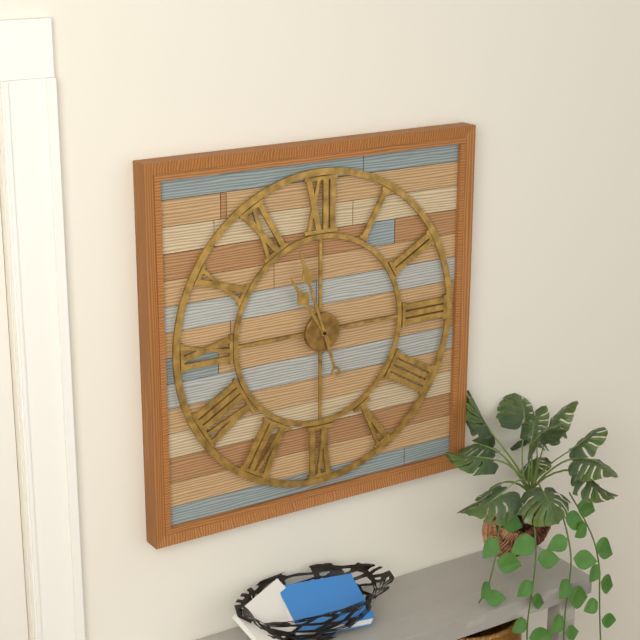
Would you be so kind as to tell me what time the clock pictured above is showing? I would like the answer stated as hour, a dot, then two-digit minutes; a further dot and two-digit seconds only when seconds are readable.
10.57
